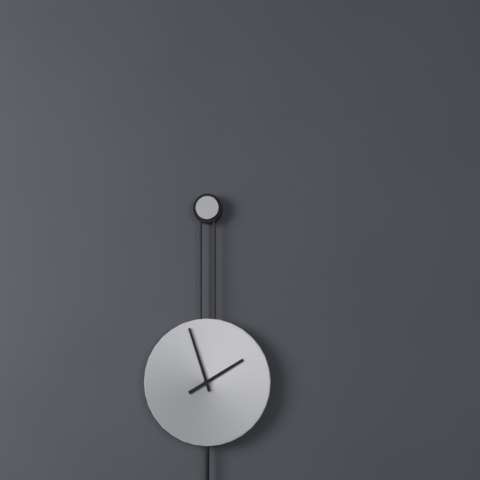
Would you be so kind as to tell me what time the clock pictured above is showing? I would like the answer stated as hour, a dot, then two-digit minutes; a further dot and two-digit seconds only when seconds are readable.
1.57
